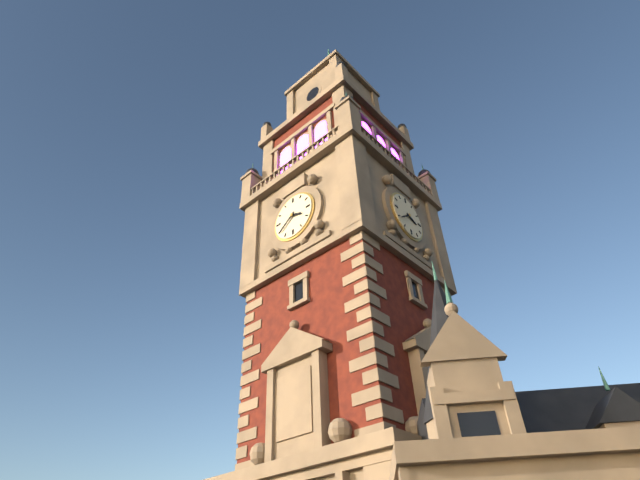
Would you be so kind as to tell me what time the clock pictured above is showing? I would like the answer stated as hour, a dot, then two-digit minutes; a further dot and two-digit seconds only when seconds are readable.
3.39
